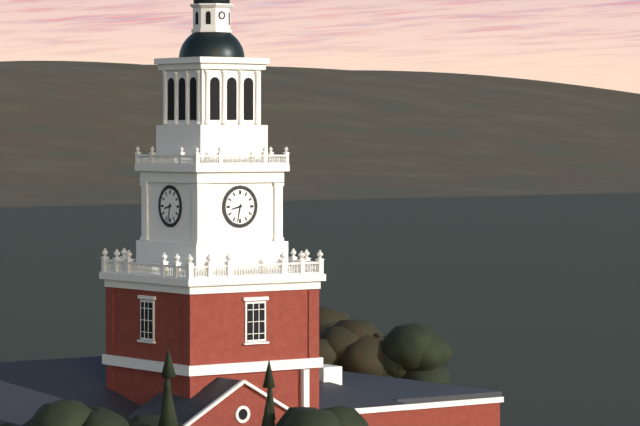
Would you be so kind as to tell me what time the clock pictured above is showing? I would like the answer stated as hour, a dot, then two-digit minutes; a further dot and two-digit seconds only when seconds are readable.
8.32
